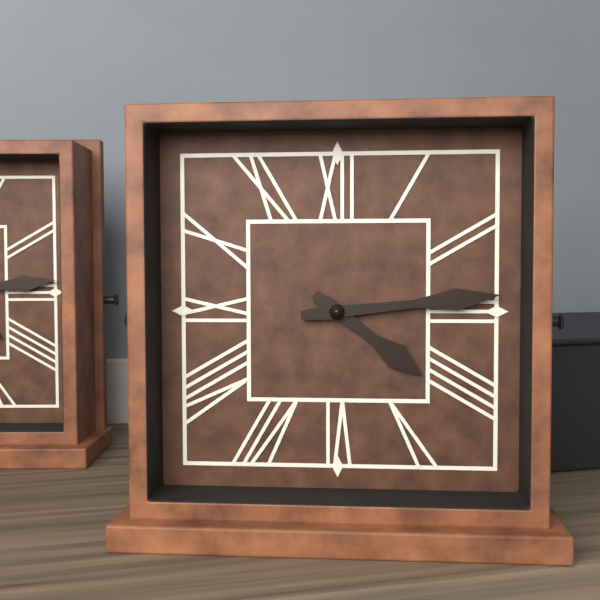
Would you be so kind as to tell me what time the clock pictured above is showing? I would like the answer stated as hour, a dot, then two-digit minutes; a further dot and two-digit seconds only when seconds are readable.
4.14
